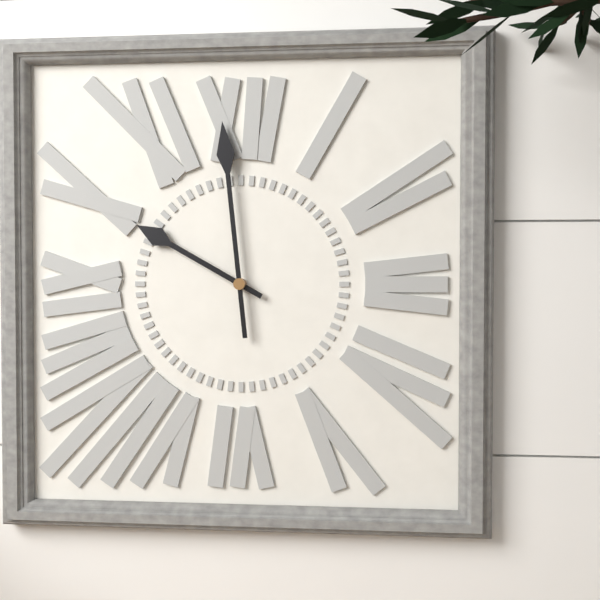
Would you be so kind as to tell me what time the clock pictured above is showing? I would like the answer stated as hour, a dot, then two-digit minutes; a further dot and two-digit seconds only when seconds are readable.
9.59
